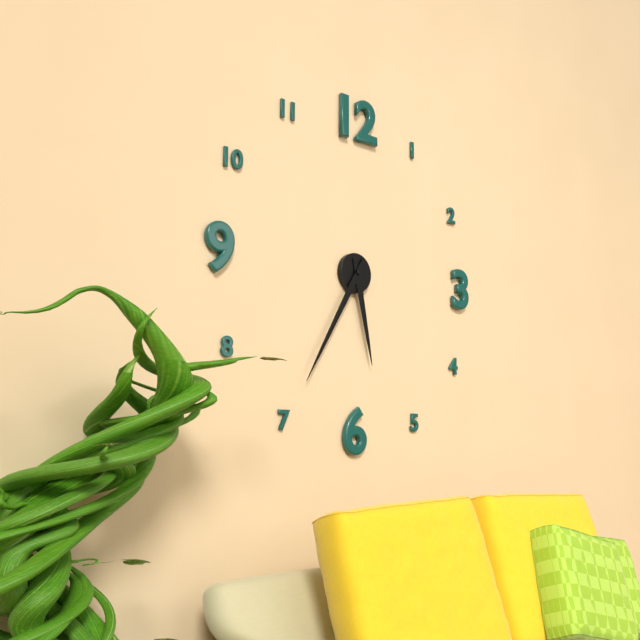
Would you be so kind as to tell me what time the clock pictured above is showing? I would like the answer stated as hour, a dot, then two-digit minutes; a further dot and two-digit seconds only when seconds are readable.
5.35
